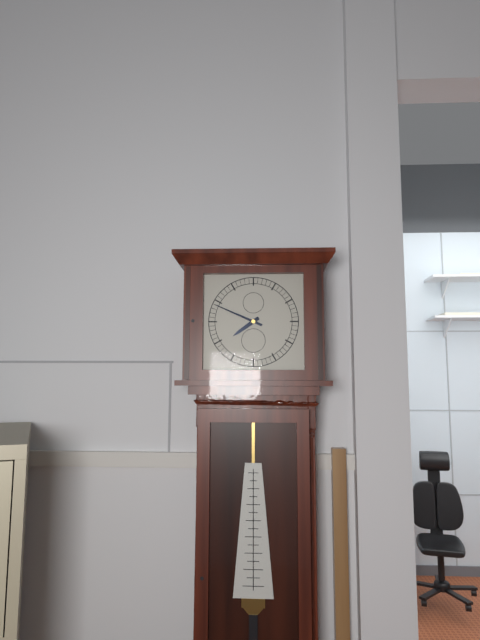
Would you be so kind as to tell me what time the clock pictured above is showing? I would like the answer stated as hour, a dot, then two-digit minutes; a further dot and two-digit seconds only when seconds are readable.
7.49
